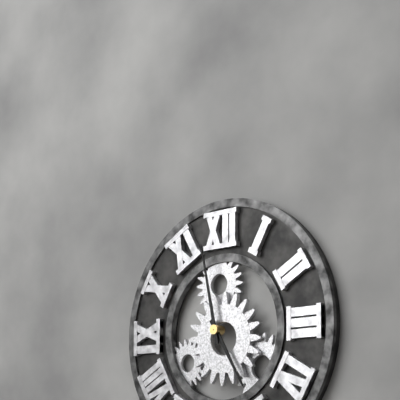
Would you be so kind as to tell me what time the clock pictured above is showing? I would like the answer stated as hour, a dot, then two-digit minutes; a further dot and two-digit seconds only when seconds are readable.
4.58
